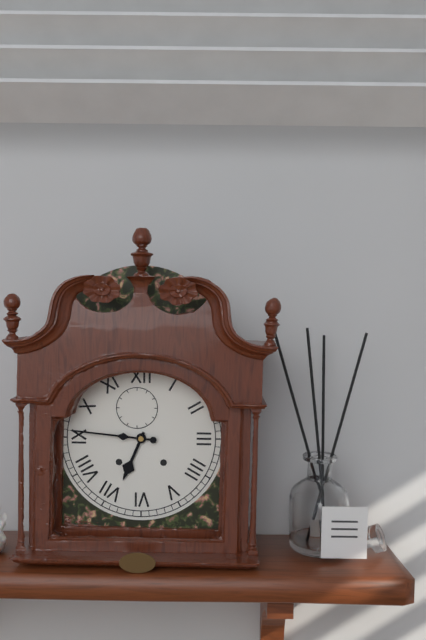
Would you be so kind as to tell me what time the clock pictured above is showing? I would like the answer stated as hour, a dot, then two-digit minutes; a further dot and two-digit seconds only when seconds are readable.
6.46
